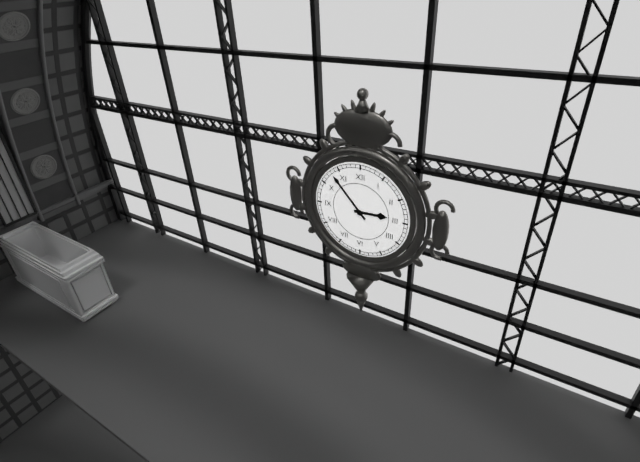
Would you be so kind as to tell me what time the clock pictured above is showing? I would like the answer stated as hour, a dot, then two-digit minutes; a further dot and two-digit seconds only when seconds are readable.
2.53
